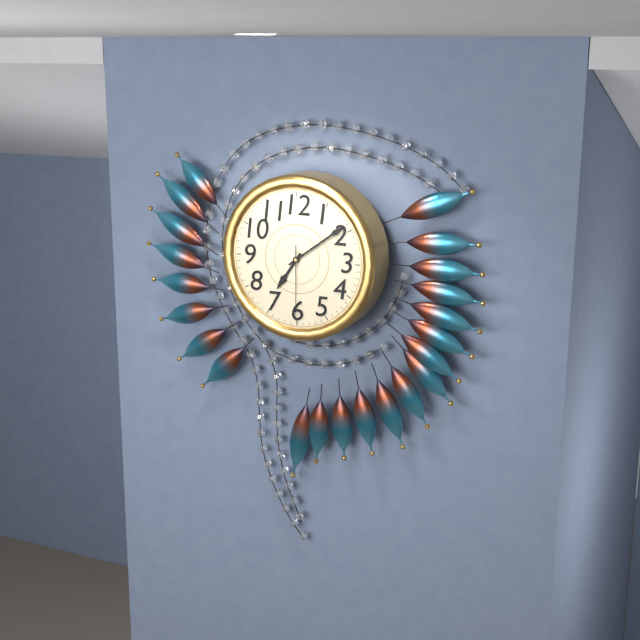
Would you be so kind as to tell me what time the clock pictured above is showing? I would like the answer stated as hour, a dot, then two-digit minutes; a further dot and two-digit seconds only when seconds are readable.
7.09.30
